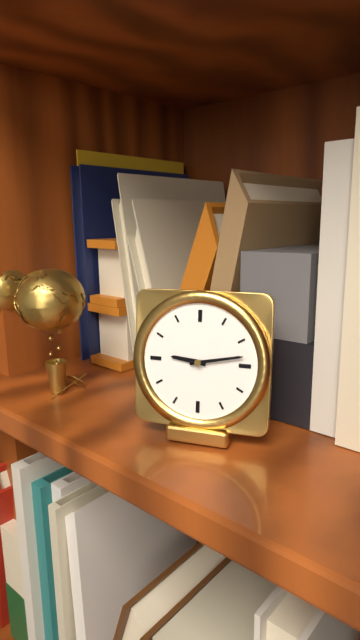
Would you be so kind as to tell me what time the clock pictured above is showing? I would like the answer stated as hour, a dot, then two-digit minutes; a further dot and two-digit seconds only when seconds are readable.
9.13
